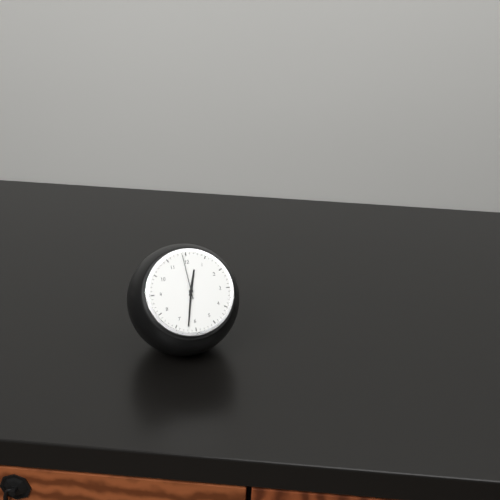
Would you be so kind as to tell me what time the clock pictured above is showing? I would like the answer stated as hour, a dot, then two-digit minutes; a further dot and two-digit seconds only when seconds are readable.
12.32
